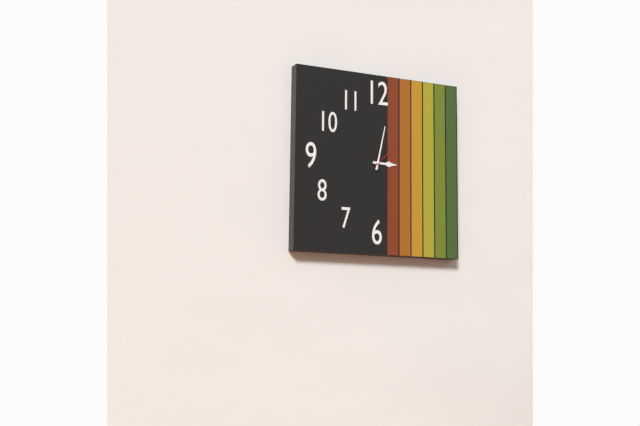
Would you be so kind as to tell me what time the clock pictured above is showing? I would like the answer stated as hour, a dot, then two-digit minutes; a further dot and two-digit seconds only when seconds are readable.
3.02
